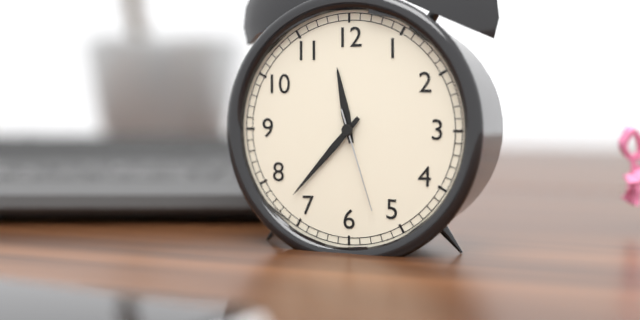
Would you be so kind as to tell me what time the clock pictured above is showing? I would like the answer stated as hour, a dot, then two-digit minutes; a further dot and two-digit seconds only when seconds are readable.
11.37.27
